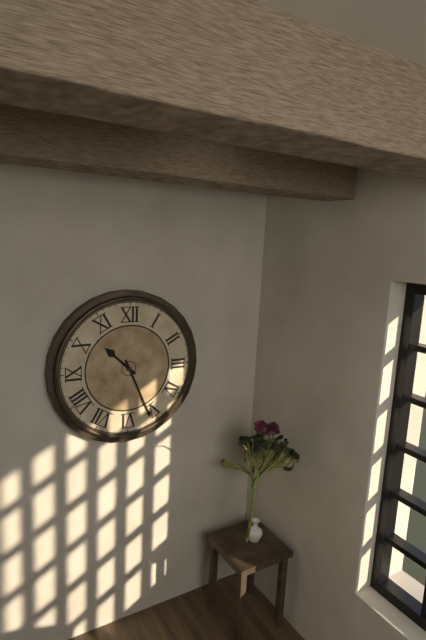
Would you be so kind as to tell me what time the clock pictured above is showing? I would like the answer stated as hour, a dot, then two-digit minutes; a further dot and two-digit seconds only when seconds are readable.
10.26
